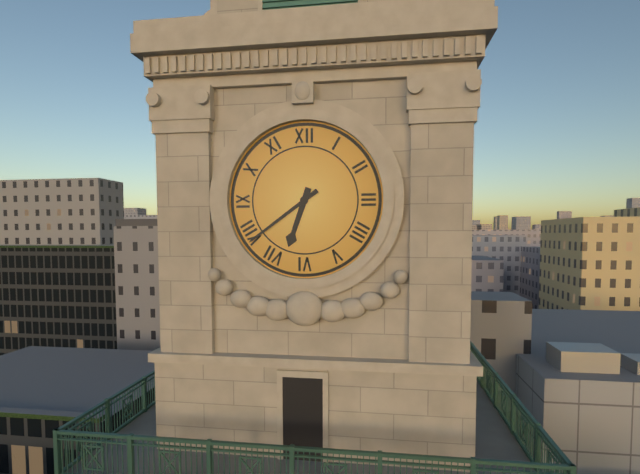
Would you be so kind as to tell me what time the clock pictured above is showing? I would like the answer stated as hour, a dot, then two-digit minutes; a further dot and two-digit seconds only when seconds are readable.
6.39
